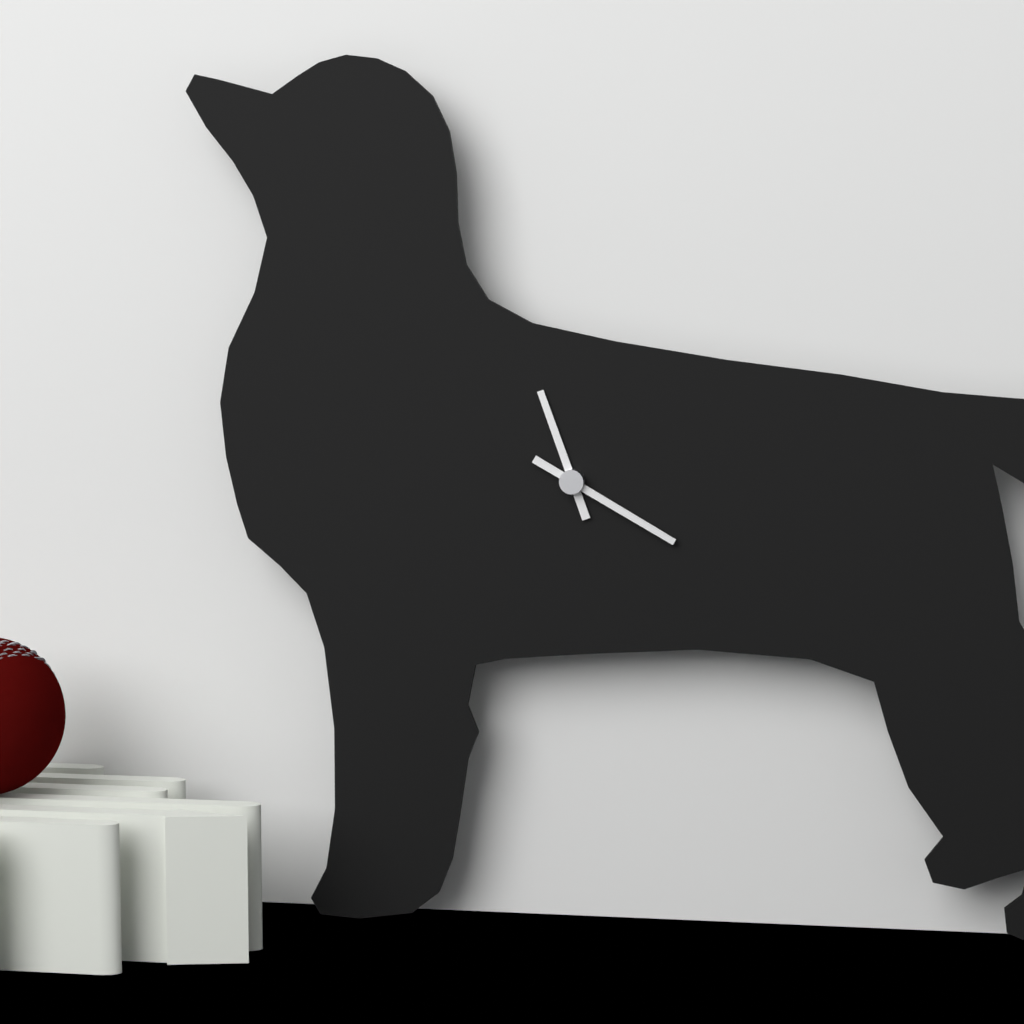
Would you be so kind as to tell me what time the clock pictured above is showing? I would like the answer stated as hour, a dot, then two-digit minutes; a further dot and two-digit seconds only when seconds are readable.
11.20
